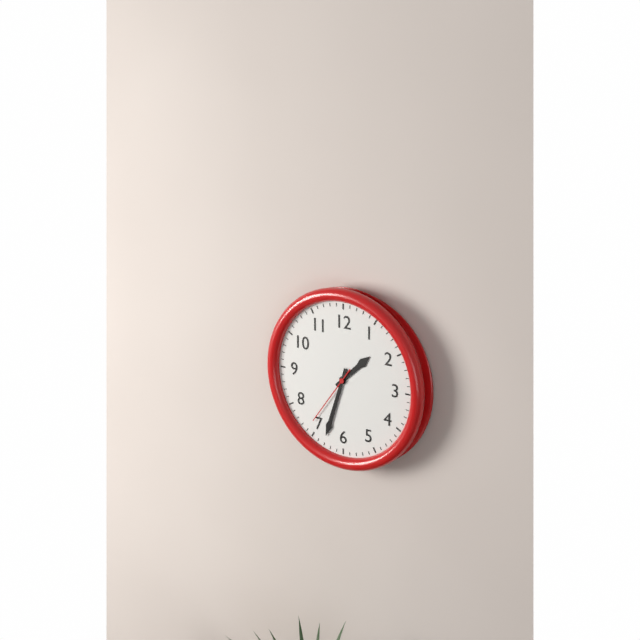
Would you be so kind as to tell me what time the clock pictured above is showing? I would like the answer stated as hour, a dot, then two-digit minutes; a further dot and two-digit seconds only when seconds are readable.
1.33.36
